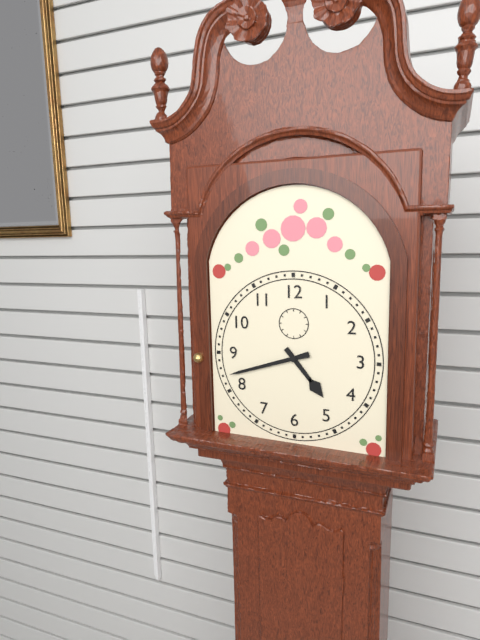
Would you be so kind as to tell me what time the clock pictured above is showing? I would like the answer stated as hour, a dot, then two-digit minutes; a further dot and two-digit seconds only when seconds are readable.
4.42
